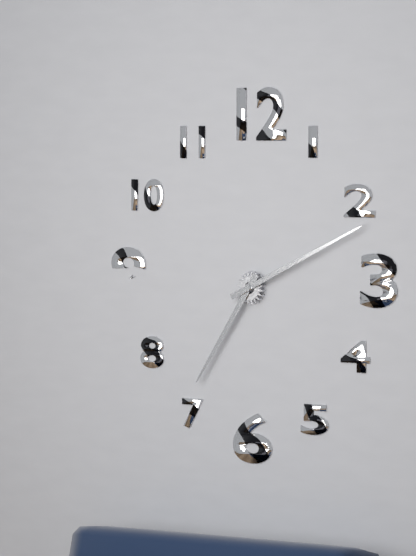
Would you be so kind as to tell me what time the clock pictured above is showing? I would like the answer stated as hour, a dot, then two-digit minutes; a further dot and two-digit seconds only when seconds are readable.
7.11
